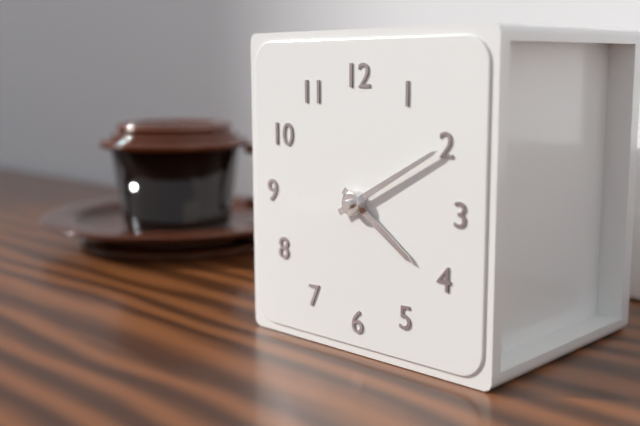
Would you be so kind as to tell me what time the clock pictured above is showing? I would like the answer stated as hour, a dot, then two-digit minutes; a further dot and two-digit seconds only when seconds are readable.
4.10
